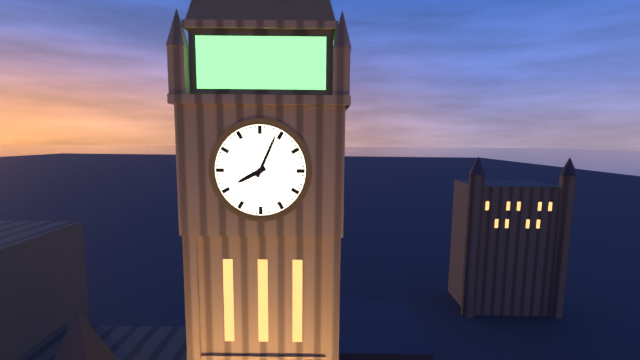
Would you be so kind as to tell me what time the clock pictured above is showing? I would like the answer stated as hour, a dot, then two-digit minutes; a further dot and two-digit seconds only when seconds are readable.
8.04
